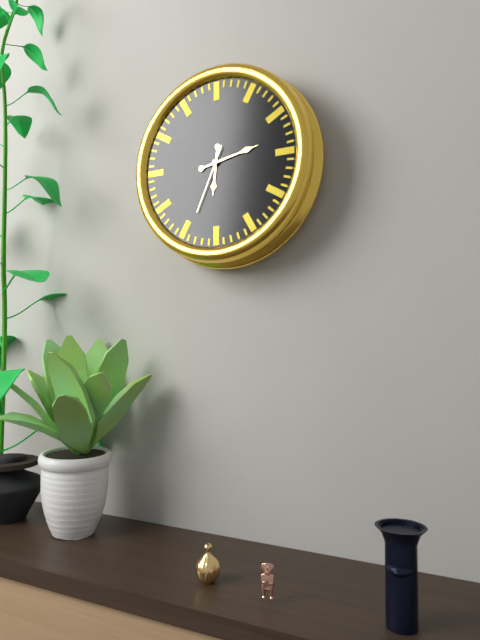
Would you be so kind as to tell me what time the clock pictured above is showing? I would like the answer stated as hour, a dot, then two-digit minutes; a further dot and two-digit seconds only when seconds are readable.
6.13.34
